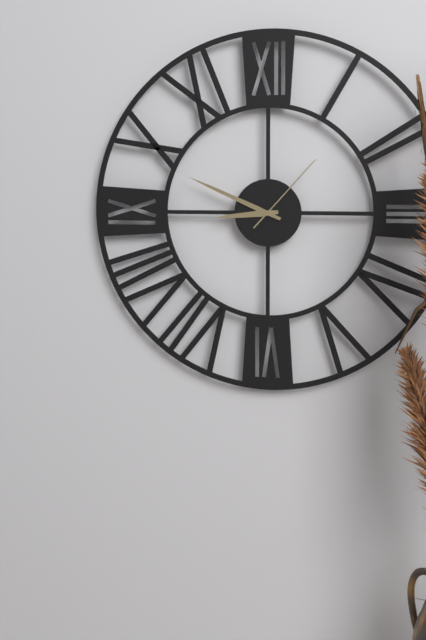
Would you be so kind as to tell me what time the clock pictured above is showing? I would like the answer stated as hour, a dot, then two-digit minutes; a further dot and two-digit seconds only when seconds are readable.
8.49.07
